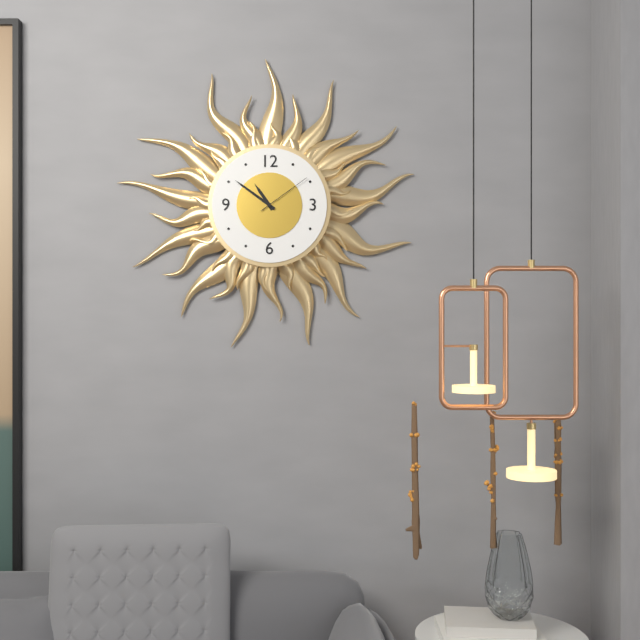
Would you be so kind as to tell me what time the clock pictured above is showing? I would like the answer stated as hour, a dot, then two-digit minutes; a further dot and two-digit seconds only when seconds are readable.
10.51.09
